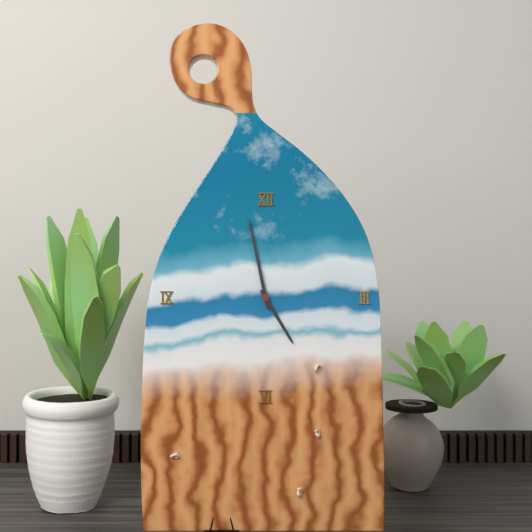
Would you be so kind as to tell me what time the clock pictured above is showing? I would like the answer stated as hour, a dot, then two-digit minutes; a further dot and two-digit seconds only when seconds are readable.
4.58
